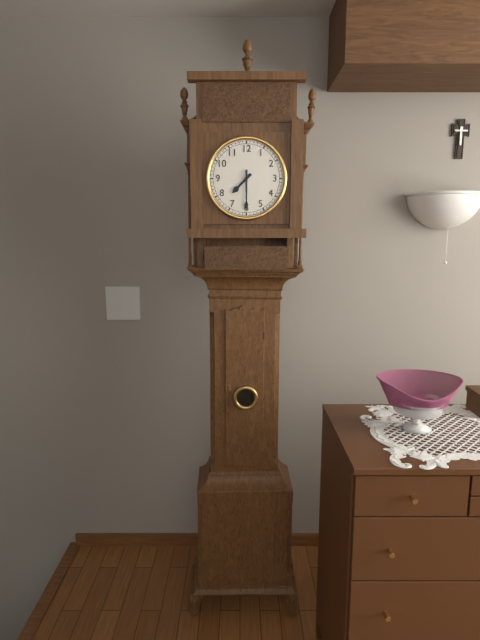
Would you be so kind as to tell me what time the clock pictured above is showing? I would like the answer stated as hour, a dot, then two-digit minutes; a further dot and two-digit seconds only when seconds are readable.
7.30
